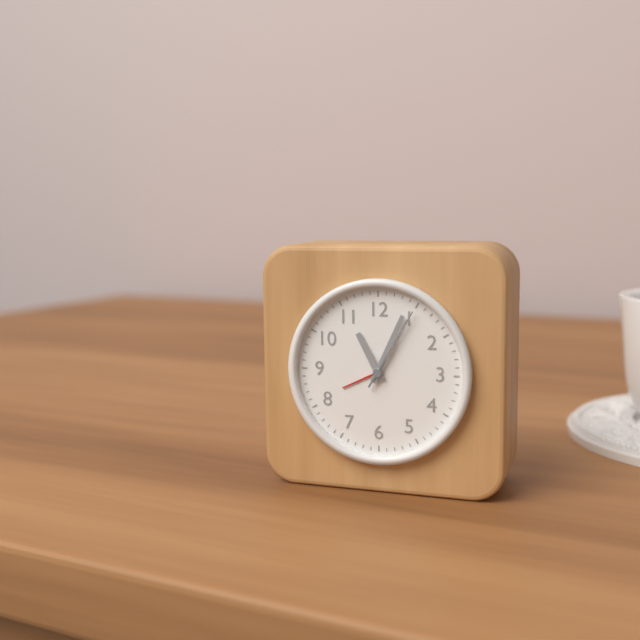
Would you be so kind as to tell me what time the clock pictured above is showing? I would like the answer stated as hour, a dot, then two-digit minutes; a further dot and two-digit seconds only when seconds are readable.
11.04.05
